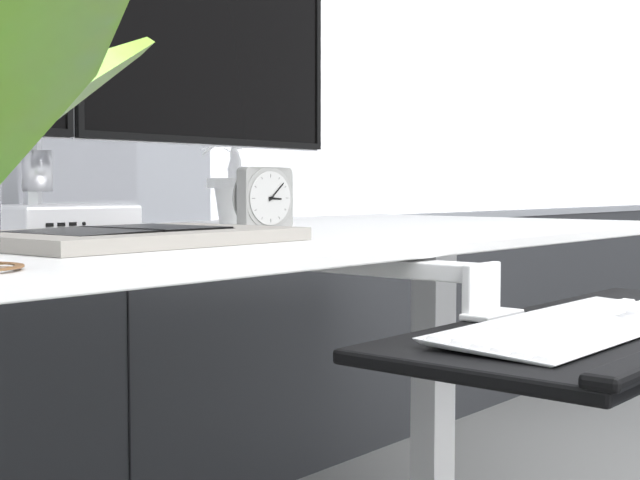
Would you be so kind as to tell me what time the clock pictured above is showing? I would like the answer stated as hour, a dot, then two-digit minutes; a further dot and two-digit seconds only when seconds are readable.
3.08
